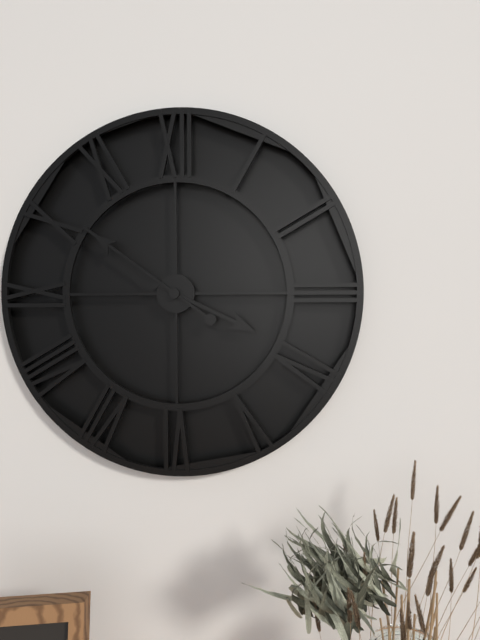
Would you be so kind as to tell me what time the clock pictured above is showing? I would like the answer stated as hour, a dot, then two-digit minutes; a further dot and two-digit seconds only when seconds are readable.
3.51
